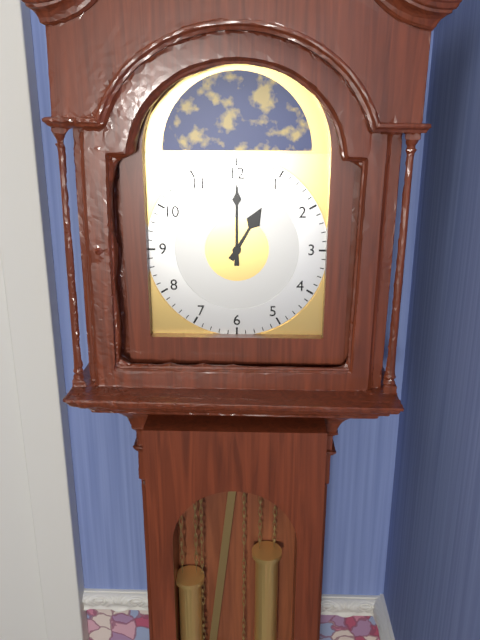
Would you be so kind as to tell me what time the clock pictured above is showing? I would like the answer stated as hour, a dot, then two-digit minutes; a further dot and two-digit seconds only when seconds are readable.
1.00
